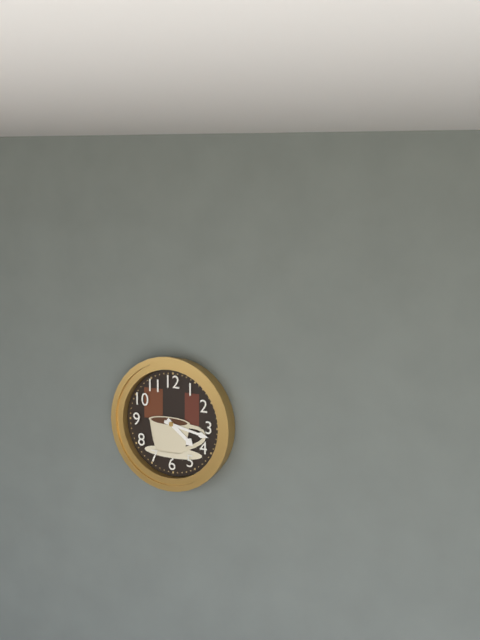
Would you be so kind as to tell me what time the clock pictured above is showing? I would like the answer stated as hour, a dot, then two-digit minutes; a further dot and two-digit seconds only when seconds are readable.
4.17
